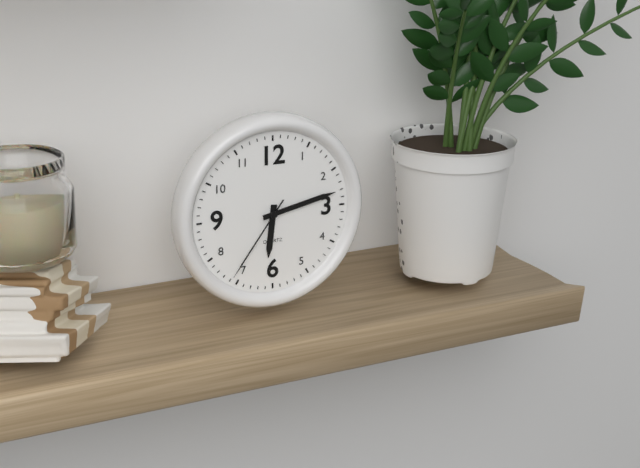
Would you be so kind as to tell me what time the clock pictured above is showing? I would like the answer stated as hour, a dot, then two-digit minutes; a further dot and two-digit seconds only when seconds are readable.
6.13.36
